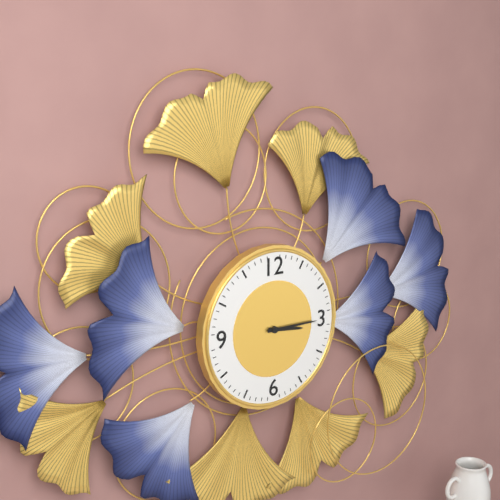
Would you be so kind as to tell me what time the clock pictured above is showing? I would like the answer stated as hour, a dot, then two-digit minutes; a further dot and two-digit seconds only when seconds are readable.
3.15
